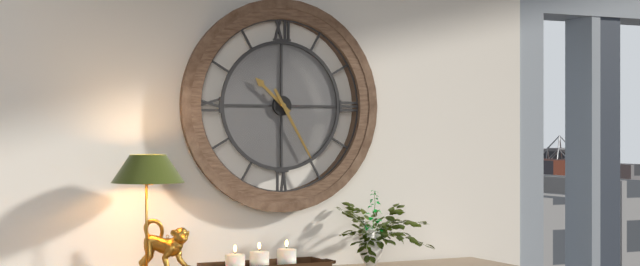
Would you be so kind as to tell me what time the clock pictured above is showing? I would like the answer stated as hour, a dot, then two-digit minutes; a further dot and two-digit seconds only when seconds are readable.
10.25
